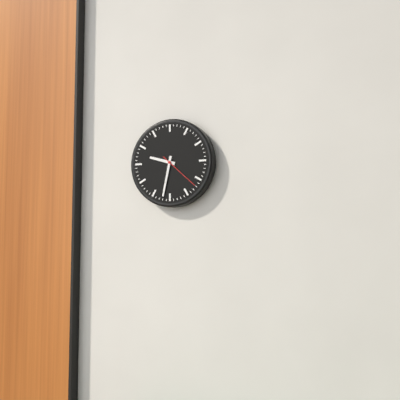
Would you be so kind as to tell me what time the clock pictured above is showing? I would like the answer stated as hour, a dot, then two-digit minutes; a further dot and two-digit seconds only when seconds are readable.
9.32
